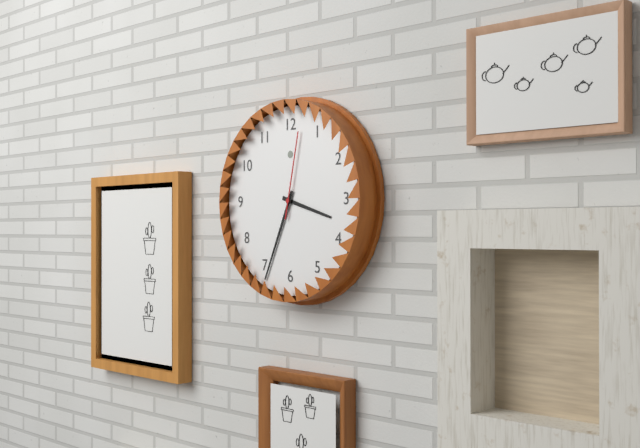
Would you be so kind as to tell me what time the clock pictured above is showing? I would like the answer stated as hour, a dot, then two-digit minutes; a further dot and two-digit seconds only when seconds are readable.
3.34.02
